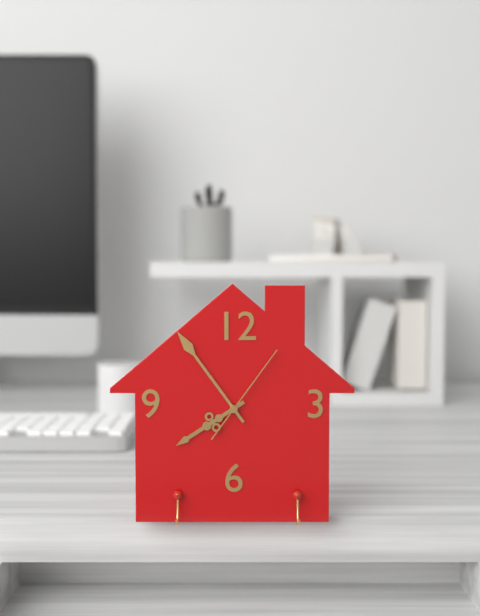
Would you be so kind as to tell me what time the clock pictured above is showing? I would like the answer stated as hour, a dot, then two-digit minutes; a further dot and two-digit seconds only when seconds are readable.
7.54.06
